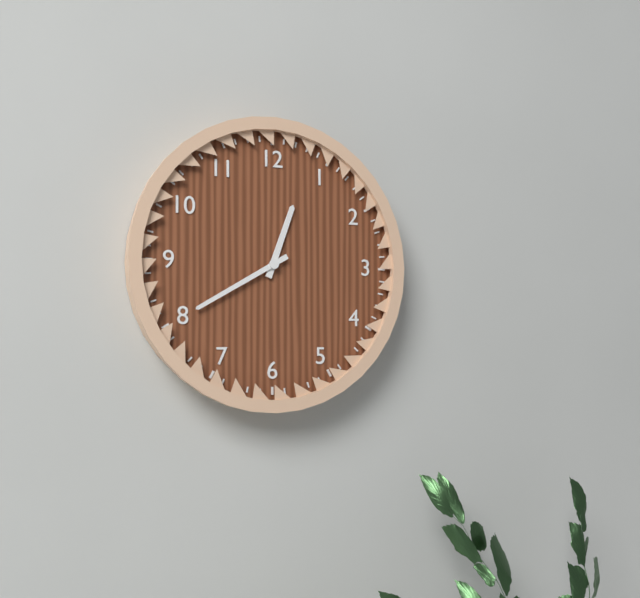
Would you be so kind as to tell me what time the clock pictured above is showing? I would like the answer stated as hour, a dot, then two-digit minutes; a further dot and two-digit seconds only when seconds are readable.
12.40
